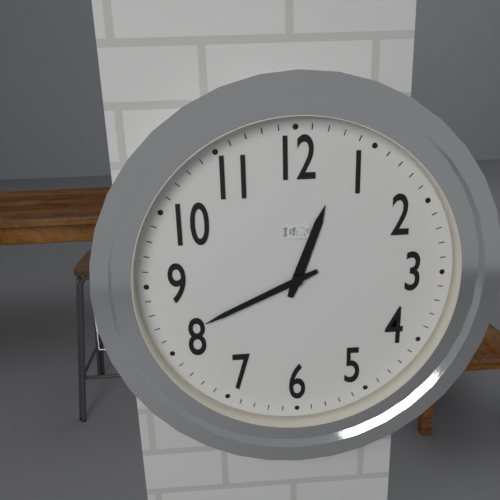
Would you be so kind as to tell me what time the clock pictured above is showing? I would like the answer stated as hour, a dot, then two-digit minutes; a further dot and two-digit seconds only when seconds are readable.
12.41
